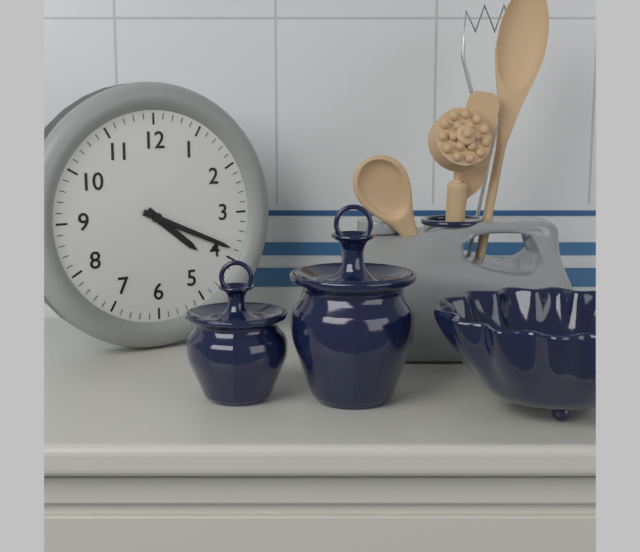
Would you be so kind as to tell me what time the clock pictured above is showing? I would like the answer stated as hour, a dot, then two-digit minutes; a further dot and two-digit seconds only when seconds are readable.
4.19
